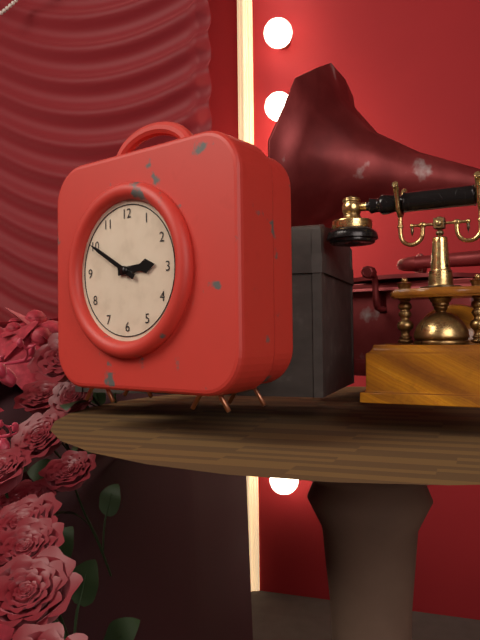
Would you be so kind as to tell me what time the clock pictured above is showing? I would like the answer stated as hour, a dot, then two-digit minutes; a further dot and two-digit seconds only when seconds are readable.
2.50
